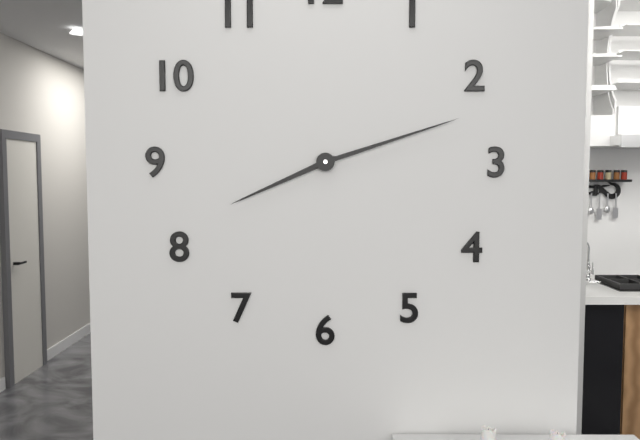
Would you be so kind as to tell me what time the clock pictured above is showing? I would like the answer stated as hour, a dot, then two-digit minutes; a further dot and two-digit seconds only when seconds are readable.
8.12
